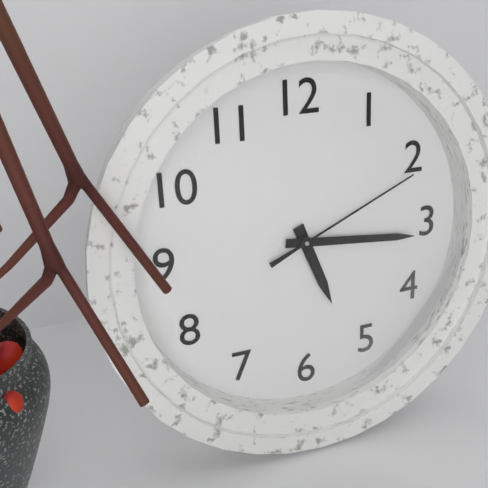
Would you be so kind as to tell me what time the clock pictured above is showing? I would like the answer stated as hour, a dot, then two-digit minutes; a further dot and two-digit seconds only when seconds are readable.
5.16.11
